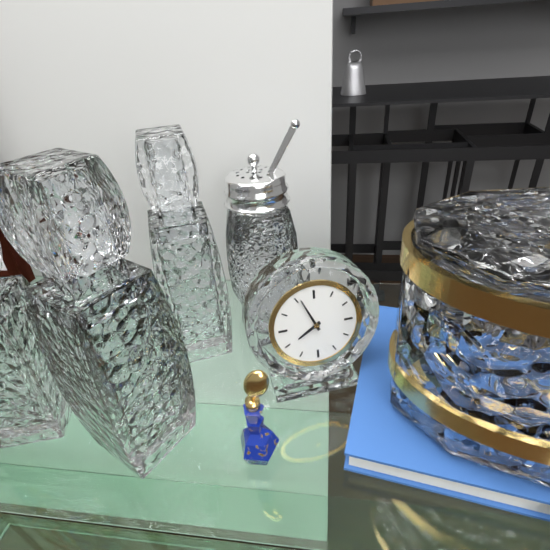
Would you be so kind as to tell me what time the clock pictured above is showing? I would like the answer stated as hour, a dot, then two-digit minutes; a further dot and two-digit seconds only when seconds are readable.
7.56
